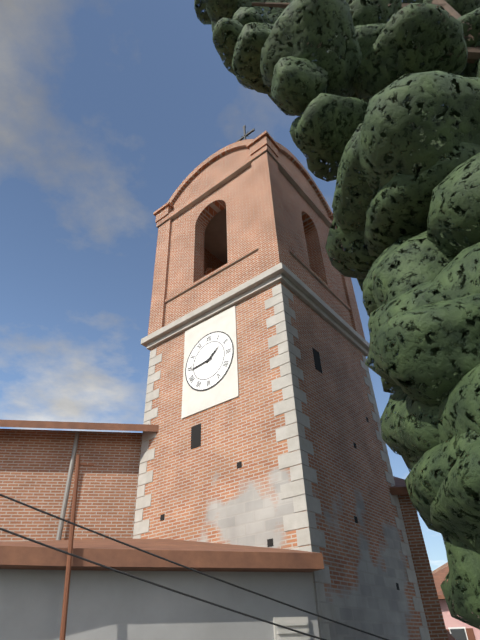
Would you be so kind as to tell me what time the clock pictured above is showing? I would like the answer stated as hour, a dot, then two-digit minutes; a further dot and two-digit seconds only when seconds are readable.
1.44
